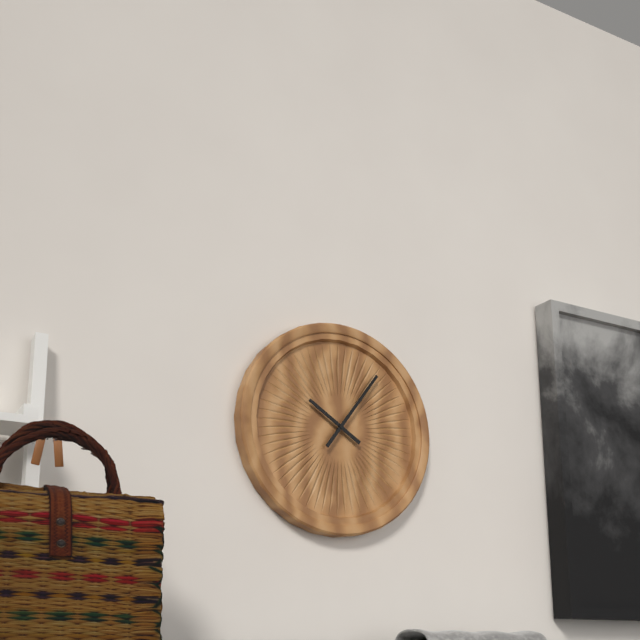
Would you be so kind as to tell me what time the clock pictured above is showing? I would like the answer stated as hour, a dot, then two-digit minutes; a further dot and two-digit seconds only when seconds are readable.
10.06
